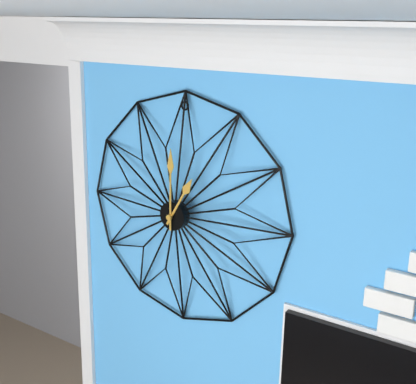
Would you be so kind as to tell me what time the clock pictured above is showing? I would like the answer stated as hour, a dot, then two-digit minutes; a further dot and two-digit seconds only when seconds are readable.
1.00
